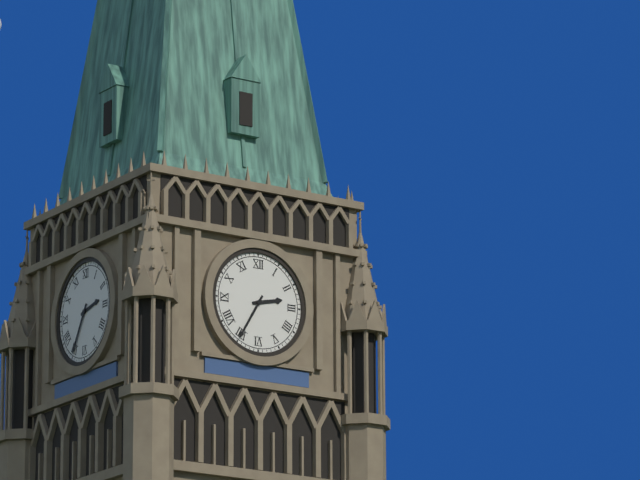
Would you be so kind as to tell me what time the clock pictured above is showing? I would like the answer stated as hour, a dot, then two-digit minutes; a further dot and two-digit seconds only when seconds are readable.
2.35
